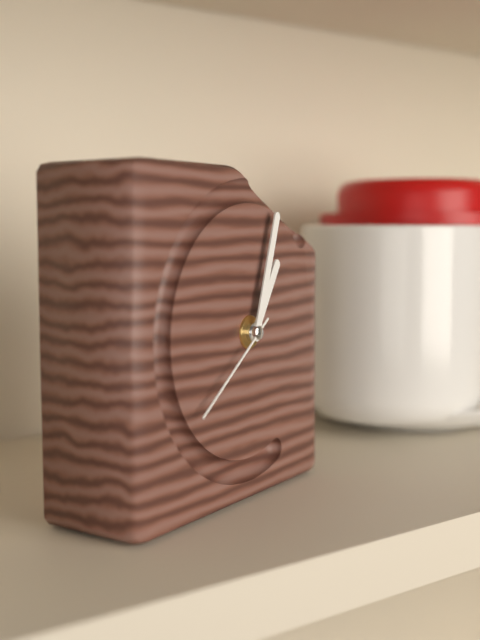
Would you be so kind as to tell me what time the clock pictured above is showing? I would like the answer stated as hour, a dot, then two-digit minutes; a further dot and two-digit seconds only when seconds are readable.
1.03.39
